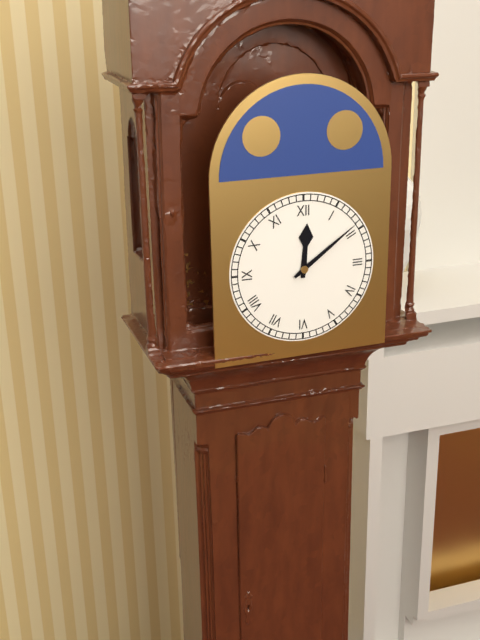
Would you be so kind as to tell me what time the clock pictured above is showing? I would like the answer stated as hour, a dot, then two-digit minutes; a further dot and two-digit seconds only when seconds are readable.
12.09
